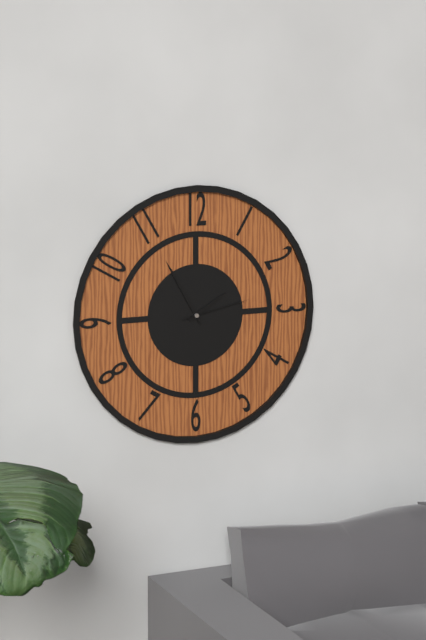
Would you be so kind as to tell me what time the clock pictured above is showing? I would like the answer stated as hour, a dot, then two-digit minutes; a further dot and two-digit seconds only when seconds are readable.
1.55.13
